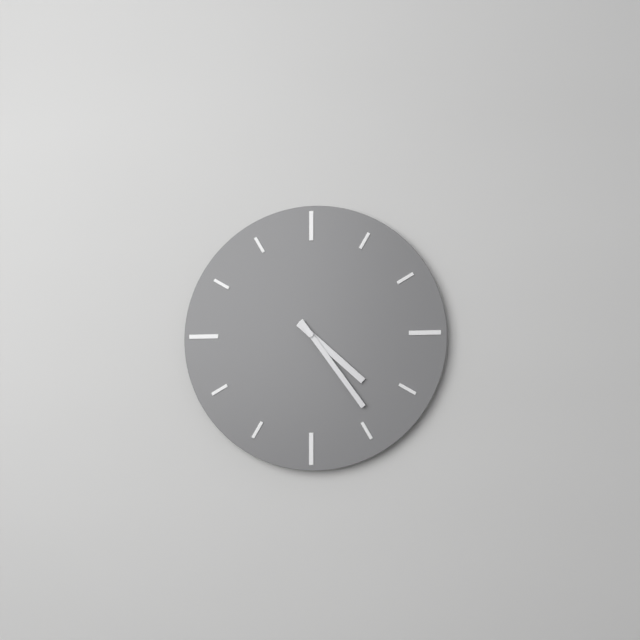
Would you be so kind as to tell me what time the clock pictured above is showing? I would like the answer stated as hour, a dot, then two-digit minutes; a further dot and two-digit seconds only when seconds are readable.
4.24
